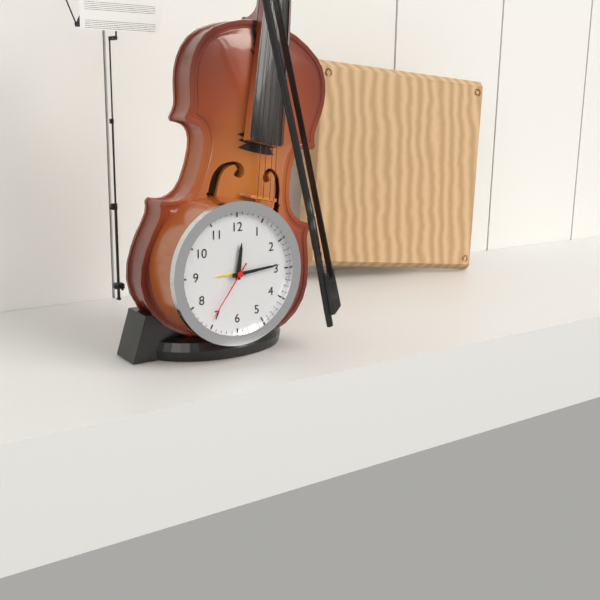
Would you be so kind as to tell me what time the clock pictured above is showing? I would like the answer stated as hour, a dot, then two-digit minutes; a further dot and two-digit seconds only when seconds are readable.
12.14.36
